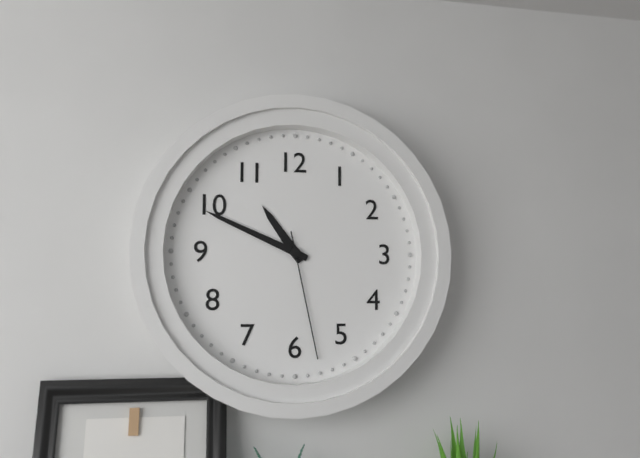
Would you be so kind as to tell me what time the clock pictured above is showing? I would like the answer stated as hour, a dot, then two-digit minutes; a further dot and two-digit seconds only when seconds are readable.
10.49.28
